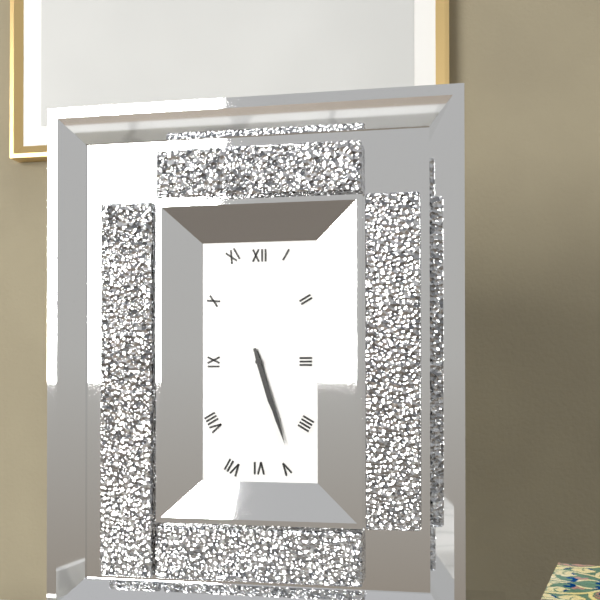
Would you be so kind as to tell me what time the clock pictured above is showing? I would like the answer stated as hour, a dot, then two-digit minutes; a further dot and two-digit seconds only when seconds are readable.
5.27
